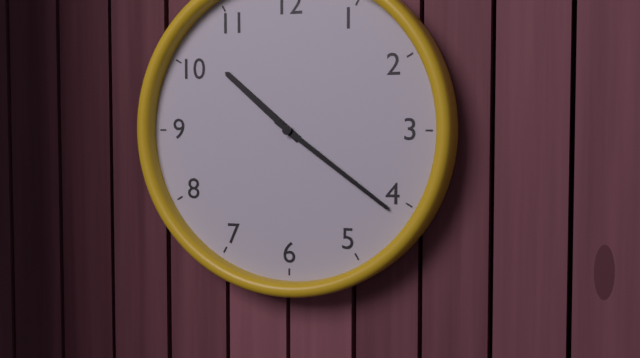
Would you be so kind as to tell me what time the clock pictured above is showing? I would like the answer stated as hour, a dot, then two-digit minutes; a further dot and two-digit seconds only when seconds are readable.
10.21
